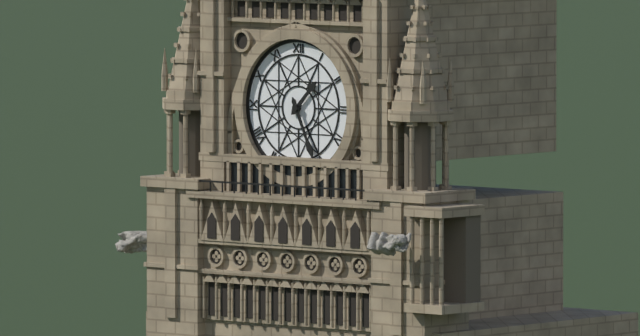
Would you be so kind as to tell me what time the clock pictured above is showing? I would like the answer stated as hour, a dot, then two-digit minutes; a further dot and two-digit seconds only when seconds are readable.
1.26
